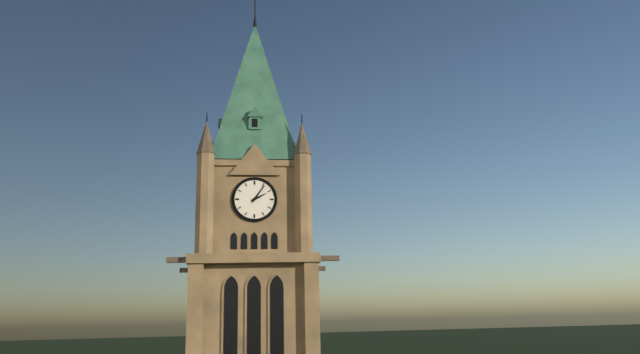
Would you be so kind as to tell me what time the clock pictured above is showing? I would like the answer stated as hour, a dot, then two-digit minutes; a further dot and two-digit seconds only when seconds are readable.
2.06
